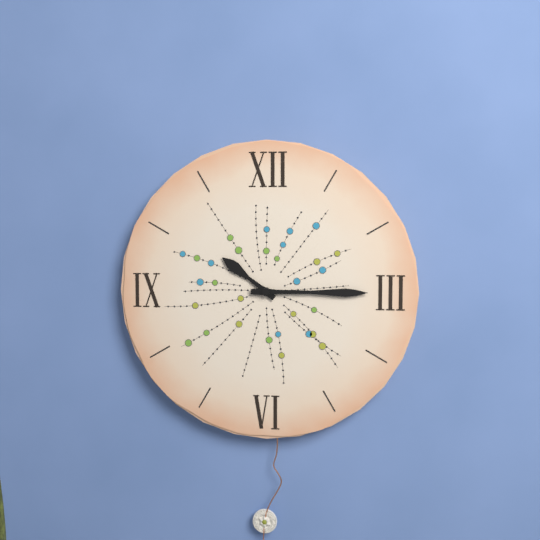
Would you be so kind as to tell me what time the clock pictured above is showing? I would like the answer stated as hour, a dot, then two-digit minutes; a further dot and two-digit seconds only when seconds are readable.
10.15
